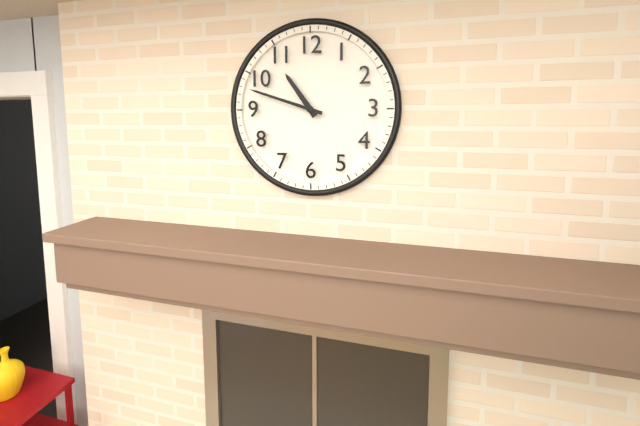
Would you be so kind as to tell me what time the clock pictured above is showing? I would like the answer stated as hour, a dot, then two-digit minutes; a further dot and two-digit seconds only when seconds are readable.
10.48
